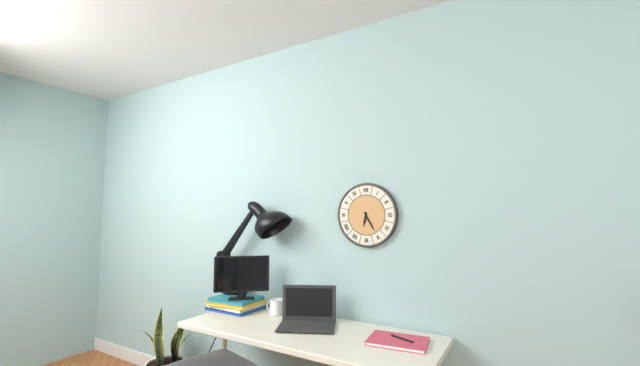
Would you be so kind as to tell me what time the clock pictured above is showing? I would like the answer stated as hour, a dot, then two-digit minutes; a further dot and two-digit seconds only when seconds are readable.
6.25
